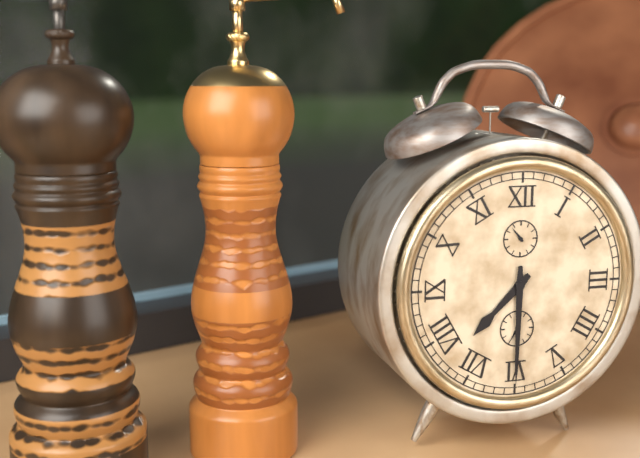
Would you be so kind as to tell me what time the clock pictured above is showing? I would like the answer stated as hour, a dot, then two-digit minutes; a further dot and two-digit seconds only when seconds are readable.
7.30
